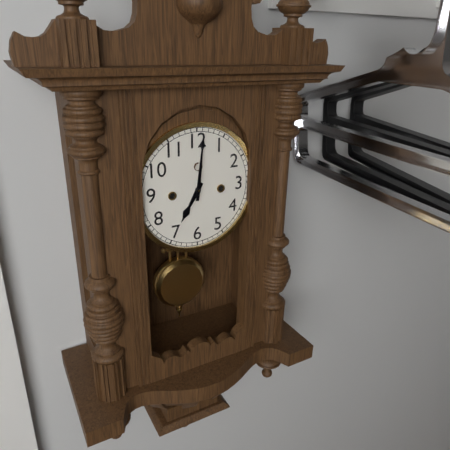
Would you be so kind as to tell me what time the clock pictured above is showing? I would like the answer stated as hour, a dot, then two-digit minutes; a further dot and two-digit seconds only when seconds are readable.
7.01
